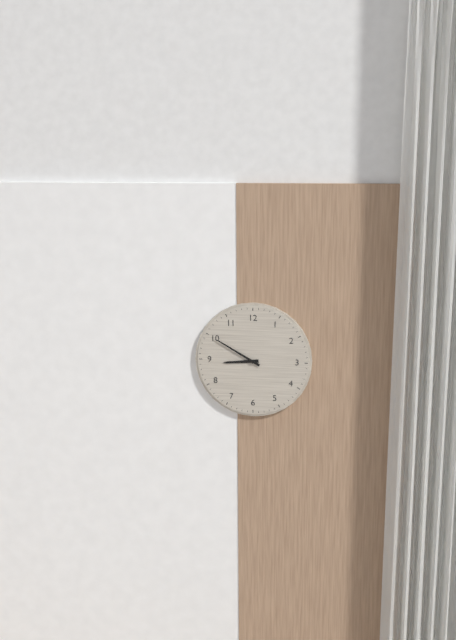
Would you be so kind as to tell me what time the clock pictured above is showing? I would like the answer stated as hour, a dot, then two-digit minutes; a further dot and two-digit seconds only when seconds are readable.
8.50
